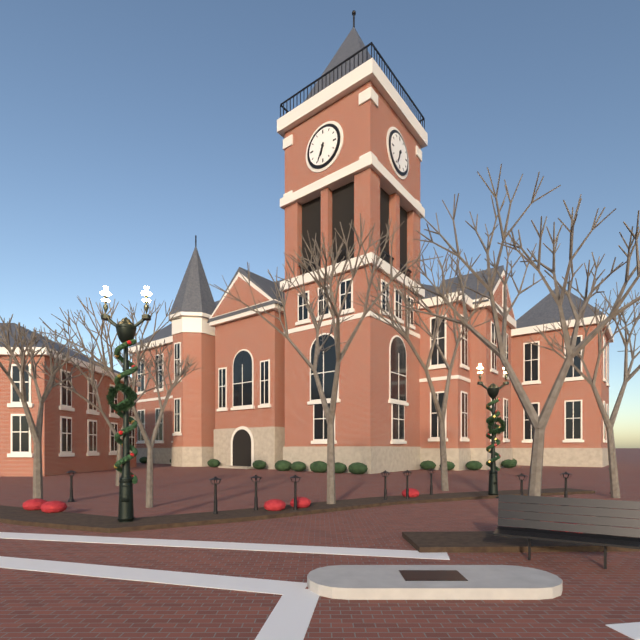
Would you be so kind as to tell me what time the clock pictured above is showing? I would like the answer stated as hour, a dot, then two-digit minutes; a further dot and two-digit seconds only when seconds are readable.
6.34
